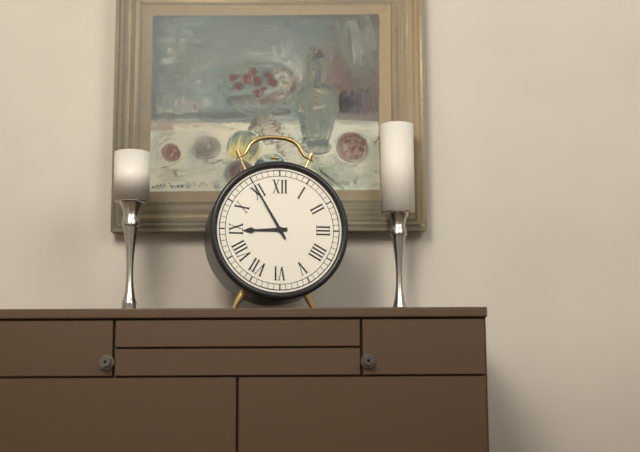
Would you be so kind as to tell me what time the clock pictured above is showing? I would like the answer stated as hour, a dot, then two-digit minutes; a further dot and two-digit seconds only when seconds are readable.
8.55
